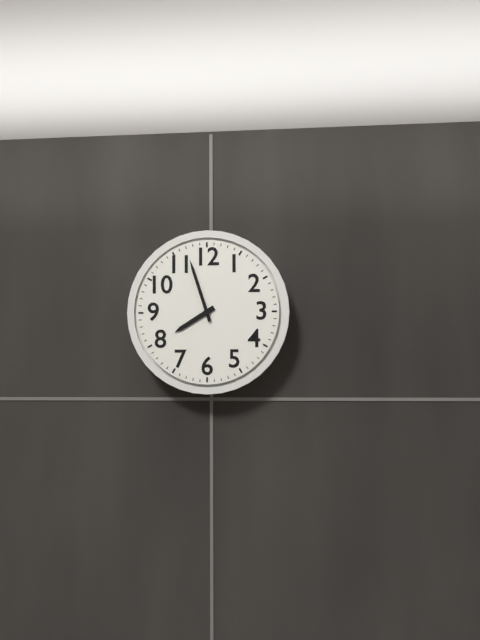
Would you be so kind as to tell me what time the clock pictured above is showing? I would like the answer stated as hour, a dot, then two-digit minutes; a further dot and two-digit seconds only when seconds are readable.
7.57
